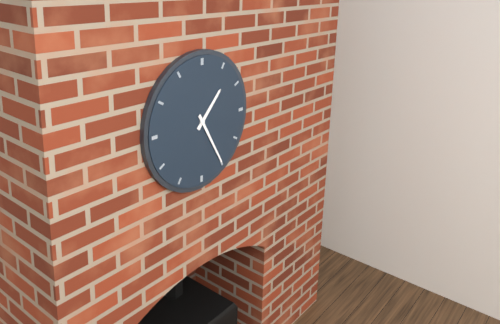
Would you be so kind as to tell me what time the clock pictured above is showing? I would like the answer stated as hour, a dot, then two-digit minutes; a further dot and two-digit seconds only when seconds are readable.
1.25
